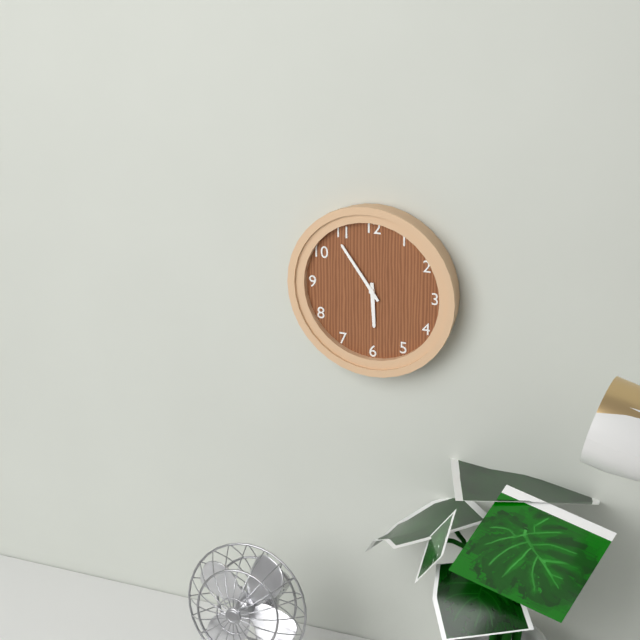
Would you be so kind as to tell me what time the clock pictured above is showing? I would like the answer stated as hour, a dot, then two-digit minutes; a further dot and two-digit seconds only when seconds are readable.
5.54
